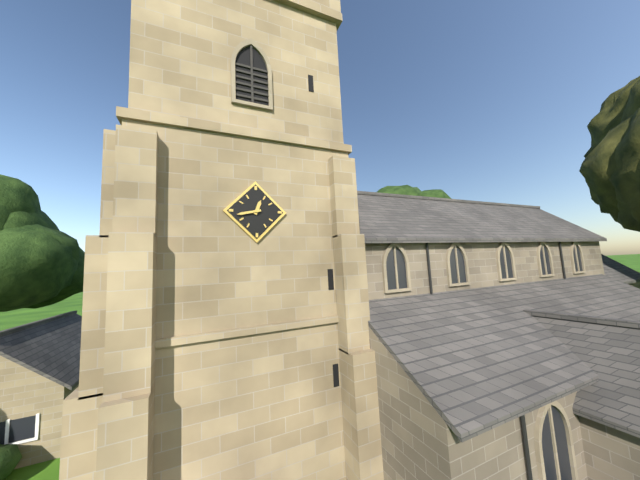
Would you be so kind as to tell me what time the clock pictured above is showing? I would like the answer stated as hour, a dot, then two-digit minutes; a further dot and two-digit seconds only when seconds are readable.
12.43
